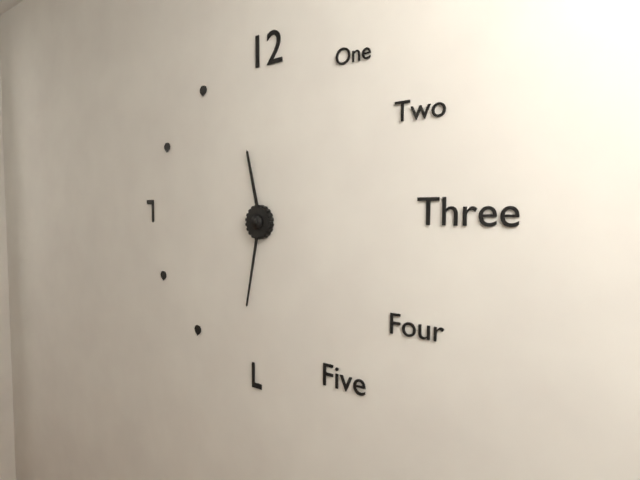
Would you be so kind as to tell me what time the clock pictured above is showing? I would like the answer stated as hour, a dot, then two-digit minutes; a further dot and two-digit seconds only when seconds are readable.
11.32
